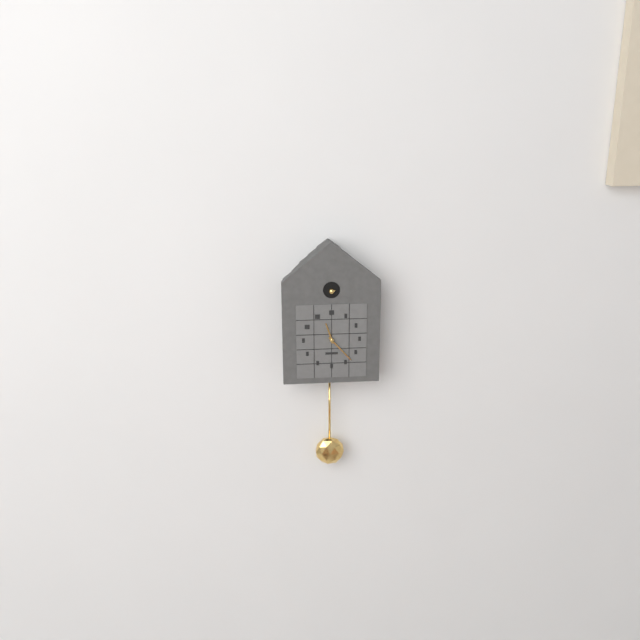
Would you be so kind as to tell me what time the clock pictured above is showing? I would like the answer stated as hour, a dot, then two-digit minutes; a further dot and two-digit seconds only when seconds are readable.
11.23
